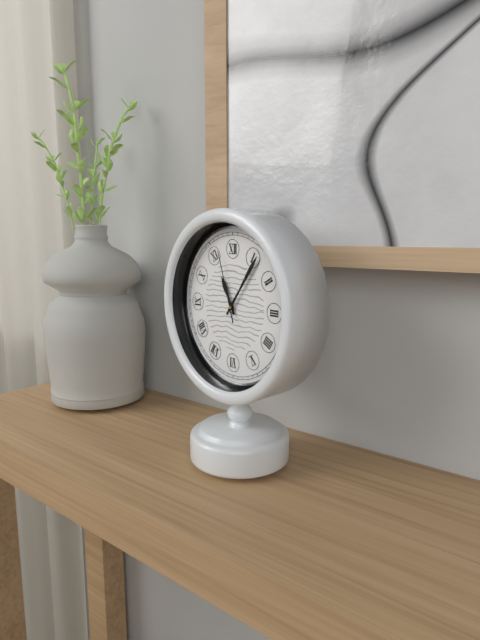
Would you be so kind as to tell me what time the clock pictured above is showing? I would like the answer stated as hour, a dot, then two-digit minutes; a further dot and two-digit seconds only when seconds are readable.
11.06.57
